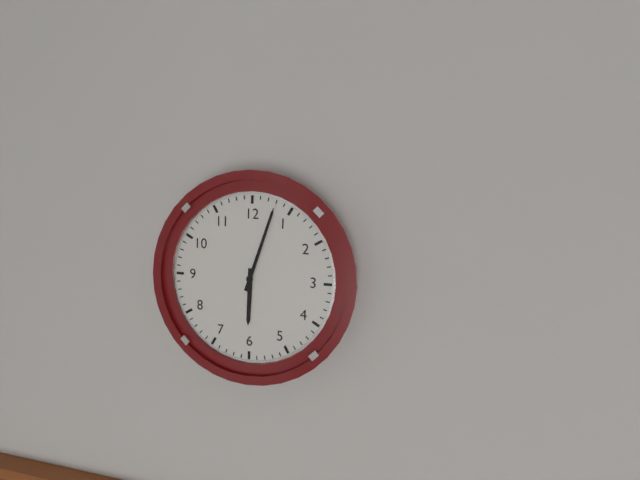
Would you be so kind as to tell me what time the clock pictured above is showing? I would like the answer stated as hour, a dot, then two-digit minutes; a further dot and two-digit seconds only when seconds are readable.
6.03
